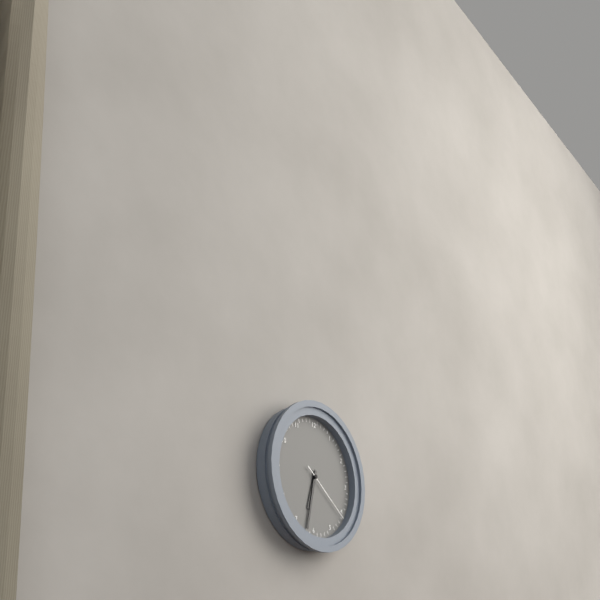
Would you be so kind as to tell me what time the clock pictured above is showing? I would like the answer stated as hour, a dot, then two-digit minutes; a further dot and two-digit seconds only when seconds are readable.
6.32.21
